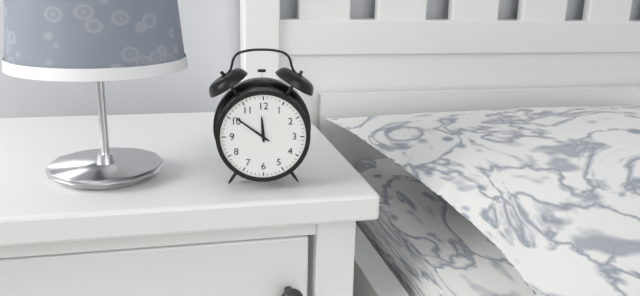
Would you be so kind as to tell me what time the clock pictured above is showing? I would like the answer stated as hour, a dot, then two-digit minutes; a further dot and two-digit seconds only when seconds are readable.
11.51
